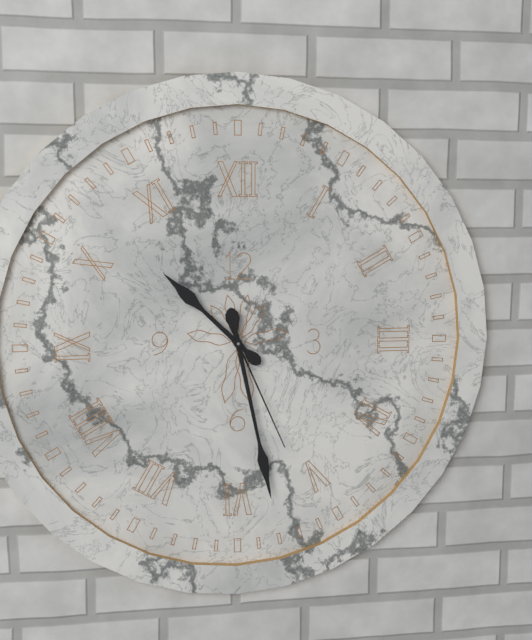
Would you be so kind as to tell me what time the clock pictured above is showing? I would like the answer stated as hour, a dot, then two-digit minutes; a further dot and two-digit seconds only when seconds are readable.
10.28.26
